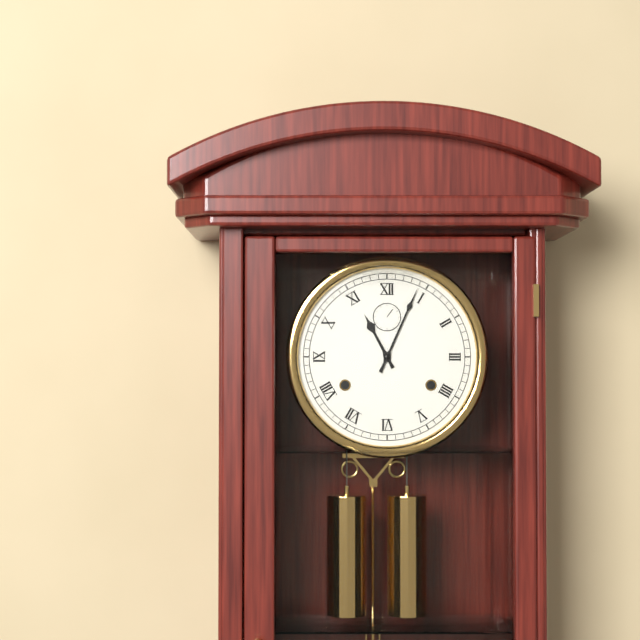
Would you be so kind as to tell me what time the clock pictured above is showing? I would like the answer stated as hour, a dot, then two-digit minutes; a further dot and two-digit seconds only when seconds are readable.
11.04
